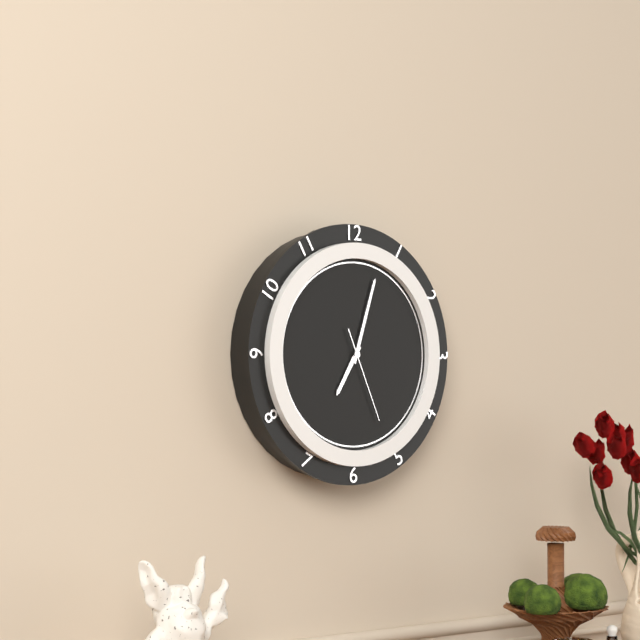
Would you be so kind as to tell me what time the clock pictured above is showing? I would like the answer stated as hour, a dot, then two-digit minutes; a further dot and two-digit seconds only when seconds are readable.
7.03.26
